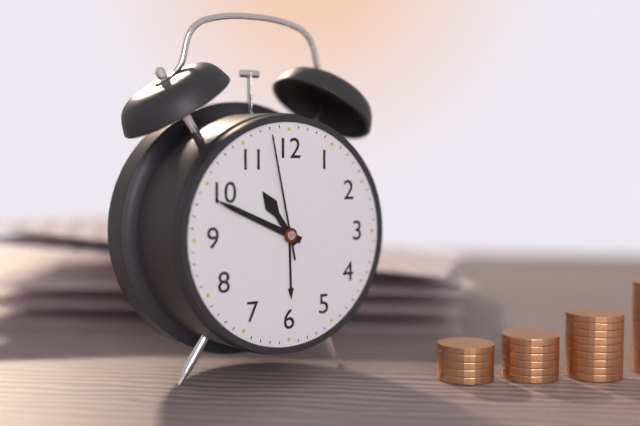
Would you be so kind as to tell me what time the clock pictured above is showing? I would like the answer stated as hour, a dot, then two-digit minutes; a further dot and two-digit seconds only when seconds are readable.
10.49.58
